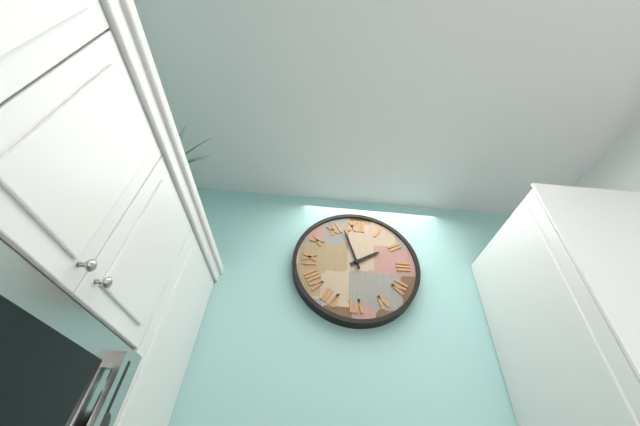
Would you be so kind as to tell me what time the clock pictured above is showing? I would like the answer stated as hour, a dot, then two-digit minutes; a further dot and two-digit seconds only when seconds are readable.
1.57
